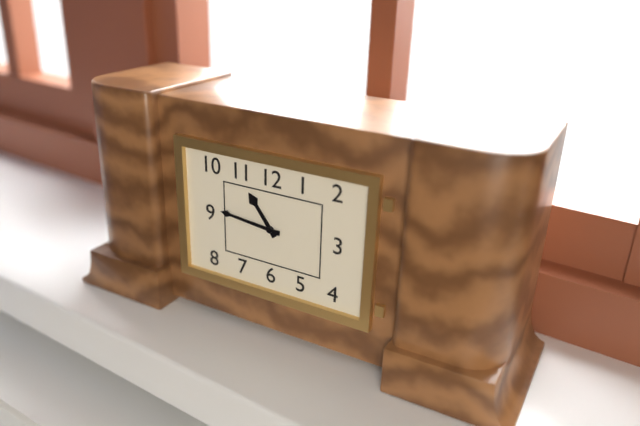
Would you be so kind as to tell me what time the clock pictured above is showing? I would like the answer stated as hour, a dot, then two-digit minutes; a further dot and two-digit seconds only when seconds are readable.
10.46
